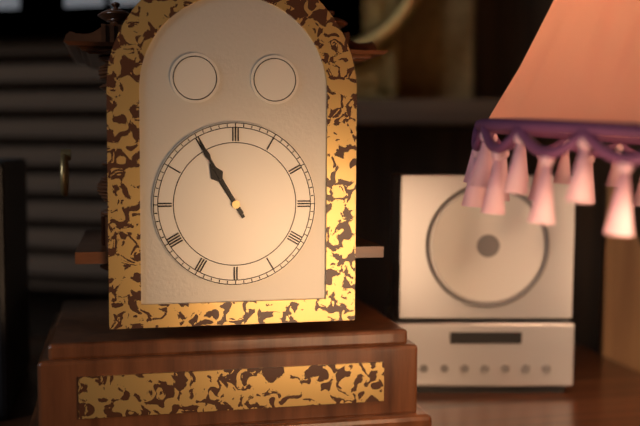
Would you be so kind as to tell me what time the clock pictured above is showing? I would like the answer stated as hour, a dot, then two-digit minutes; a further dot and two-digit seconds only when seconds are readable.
10.55
